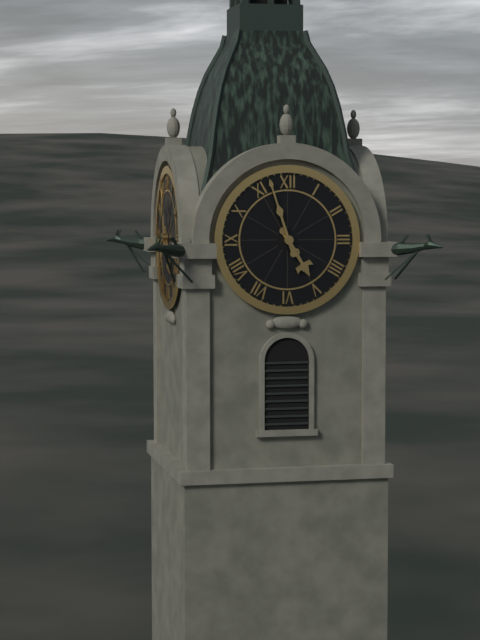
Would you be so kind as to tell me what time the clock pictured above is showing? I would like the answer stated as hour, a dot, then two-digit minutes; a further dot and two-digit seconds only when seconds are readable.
4.57
